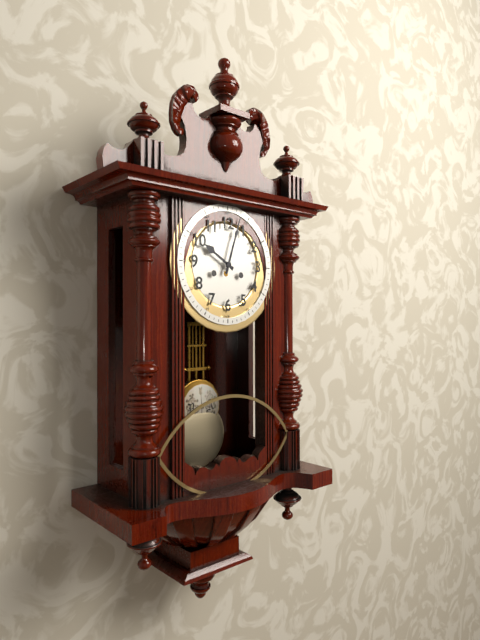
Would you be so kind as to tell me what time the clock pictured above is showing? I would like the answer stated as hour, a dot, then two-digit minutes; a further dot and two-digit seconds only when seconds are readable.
10.03
